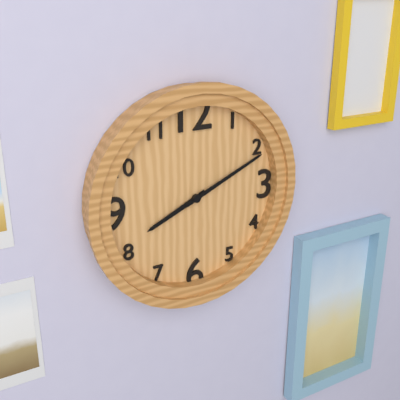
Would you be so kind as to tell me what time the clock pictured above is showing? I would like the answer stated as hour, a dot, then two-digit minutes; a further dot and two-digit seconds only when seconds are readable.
8.11
